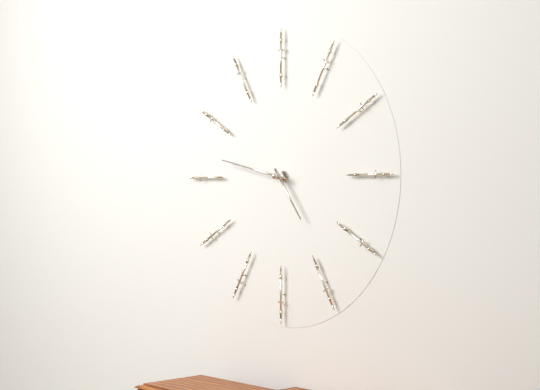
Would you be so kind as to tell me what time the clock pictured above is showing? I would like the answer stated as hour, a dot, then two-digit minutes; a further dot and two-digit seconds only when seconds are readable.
4.47
